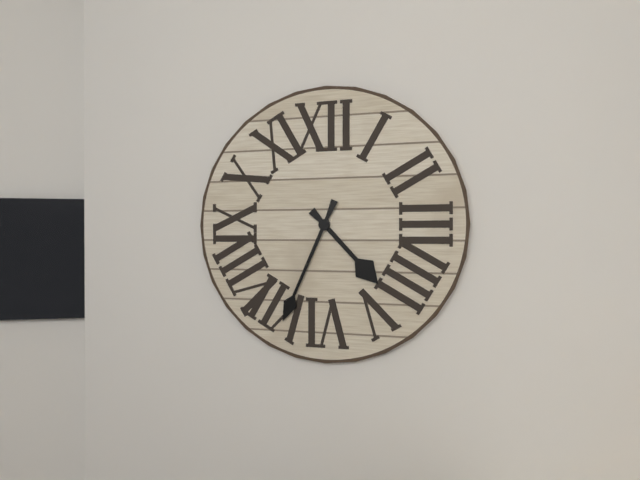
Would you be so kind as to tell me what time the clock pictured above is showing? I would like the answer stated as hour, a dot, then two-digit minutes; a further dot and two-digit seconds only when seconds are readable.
4.34
